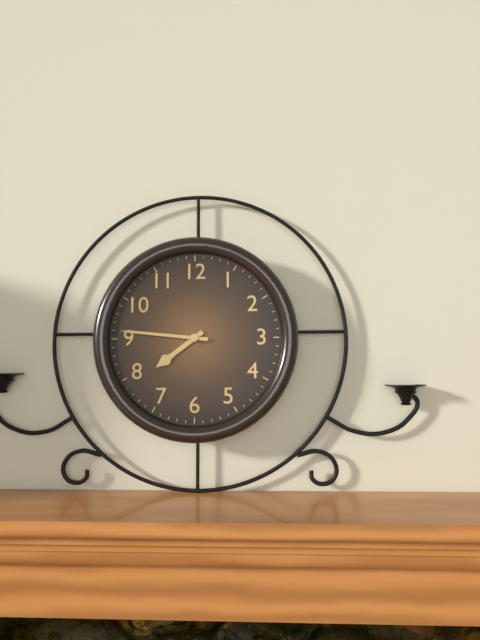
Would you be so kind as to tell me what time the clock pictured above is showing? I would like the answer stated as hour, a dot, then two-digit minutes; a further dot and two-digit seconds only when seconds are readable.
7.46
